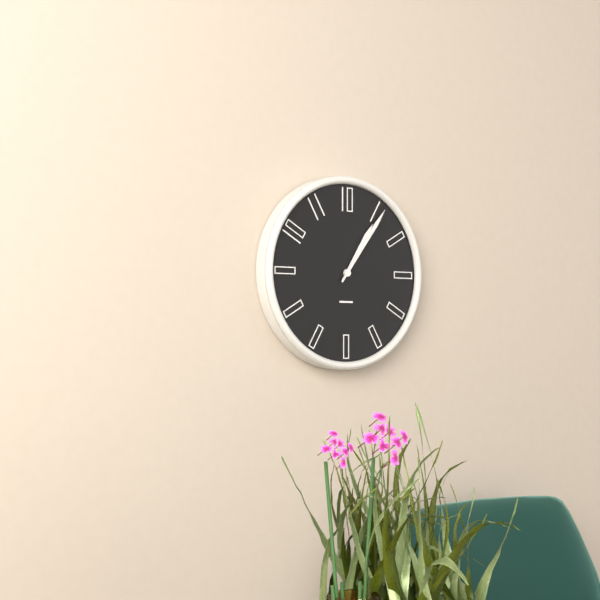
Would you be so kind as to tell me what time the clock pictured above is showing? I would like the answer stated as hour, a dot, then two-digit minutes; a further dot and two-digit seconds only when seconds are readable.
1.06
